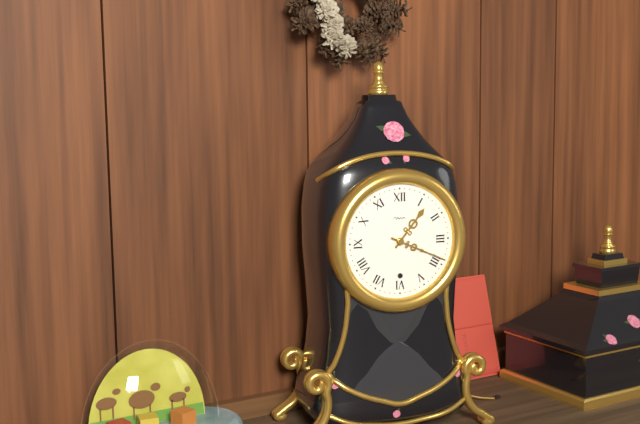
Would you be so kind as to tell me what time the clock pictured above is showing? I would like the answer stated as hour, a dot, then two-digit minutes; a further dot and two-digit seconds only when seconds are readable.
1.19
